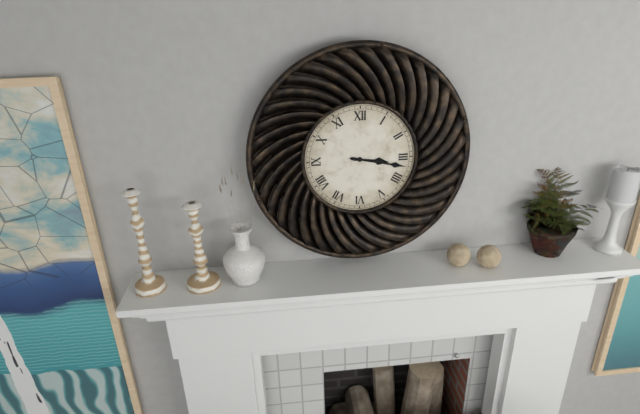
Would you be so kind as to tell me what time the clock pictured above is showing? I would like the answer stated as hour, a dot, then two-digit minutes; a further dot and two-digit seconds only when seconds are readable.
3.17
